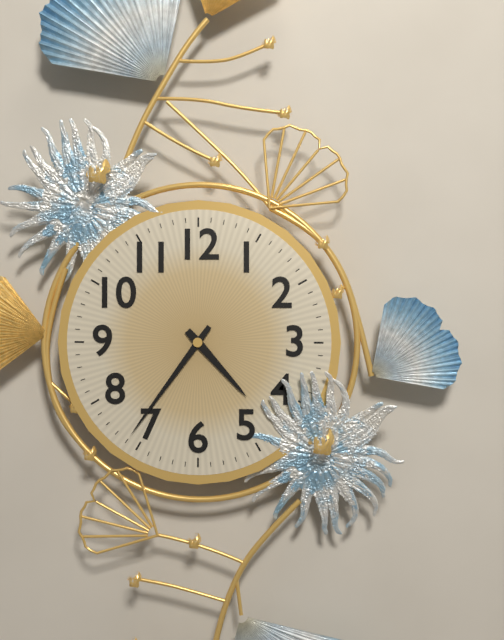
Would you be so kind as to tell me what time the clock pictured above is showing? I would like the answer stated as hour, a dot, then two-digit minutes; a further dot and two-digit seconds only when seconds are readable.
4.36
